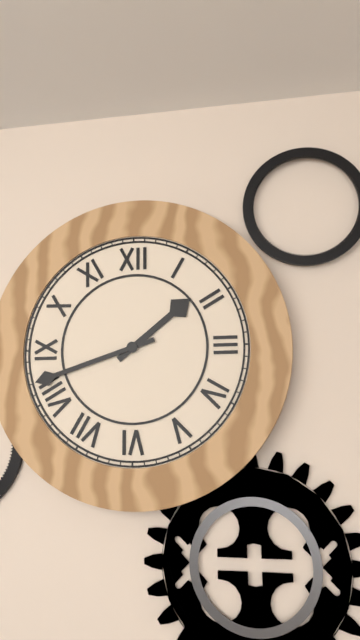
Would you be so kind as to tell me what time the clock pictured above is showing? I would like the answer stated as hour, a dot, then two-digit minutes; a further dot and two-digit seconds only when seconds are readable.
1.42
